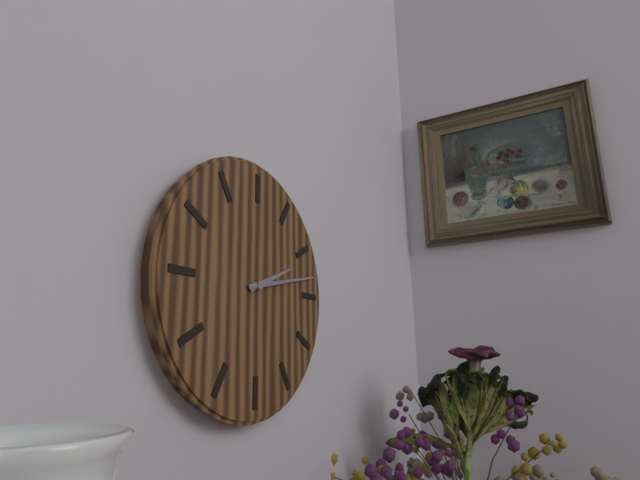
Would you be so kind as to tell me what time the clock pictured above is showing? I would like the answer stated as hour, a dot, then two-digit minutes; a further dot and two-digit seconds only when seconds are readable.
2.13
